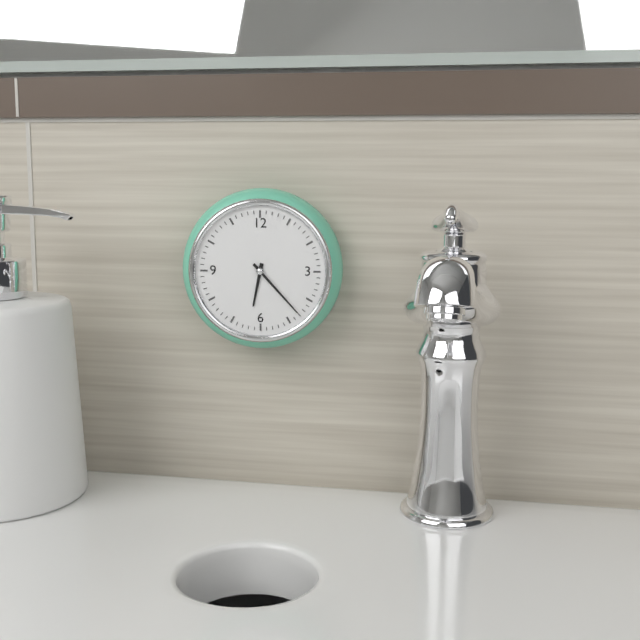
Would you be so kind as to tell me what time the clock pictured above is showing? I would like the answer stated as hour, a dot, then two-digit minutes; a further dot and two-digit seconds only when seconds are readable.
6.23
